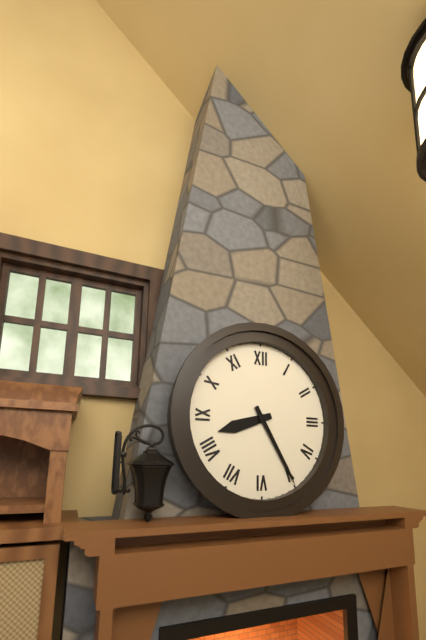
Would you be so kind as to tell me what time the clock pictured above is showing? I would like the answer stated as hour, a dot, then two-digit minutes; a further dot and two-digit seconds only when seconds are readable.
8.25
